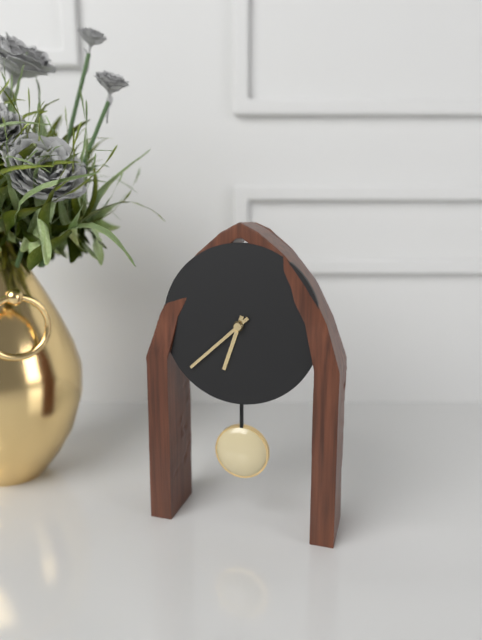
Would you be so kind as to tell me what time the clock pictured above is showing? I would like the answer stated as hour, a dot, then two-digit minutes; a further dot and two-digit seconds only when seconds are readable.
6.38
